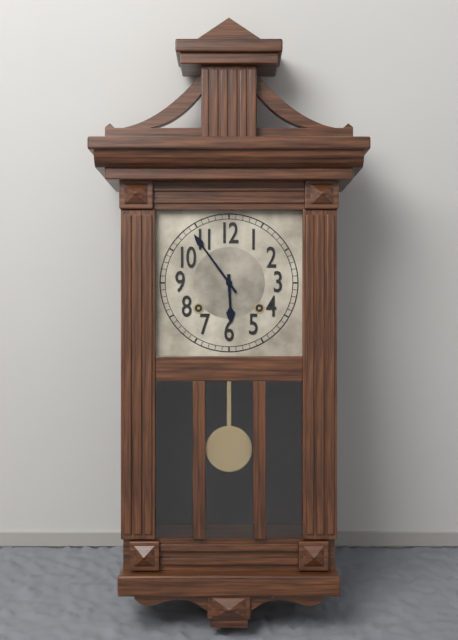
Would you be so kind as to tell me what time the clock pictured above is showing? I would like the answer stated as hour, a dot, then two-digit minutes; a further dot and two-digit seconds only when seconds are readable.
5.54
